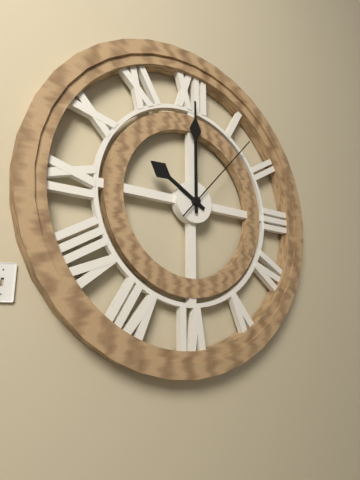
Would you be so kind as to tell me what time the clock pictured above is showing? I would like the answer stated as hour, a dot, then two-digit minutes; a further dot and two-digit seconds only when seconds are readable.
10.00.07
